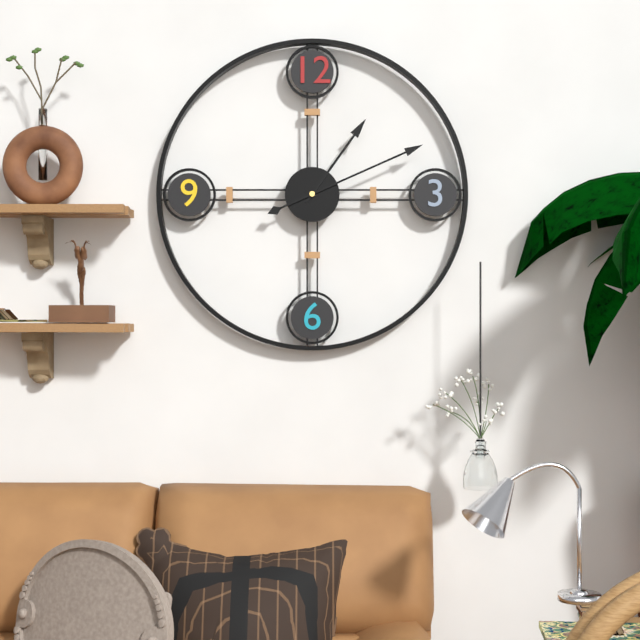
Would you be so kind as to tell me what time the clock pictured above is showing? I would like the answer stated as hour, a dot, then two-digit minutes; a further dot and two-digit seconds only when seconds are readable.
1.11
